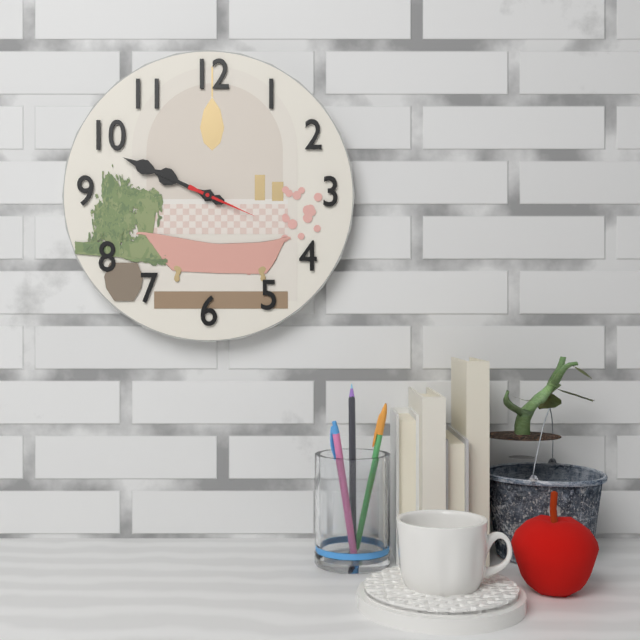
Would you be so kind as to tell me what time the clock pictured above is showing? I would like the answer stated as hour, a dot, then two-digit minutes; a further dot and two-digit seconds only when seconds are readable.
9.49.19
